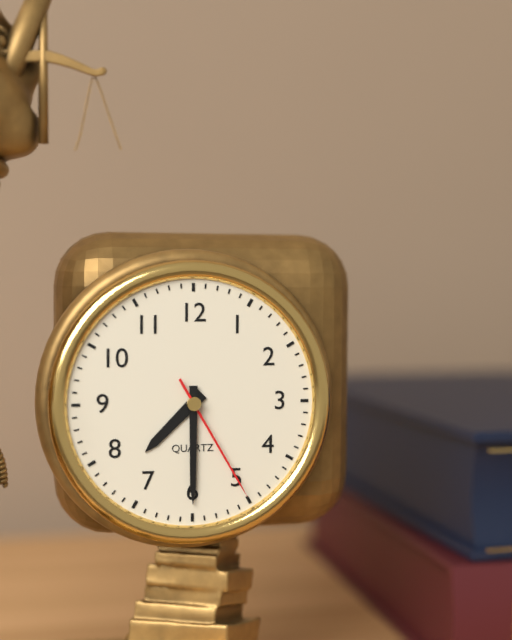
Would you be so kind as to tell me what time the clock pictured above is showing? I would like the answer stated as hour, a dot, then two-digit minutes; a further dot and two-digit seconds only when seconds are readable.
7.30.25
